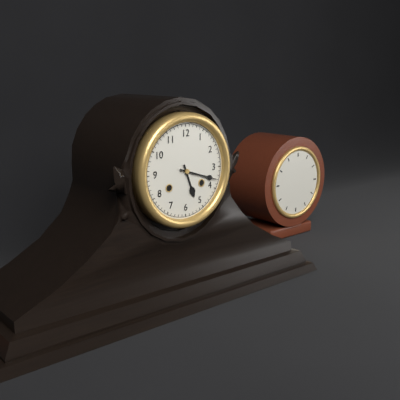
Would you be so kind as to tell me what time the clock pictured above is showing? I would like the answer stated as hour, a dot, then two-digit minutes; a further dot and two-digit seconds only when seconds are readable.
5.18
